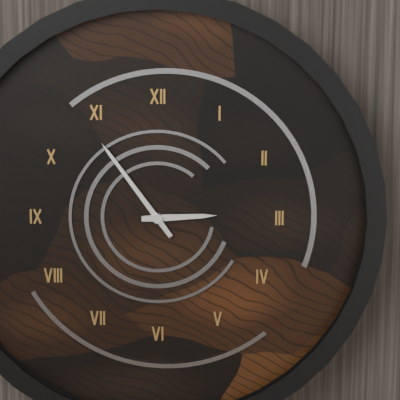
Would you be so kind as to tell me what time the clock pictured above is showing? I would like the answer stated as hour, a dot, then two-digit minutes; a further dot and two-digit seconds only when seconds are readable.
2.54
